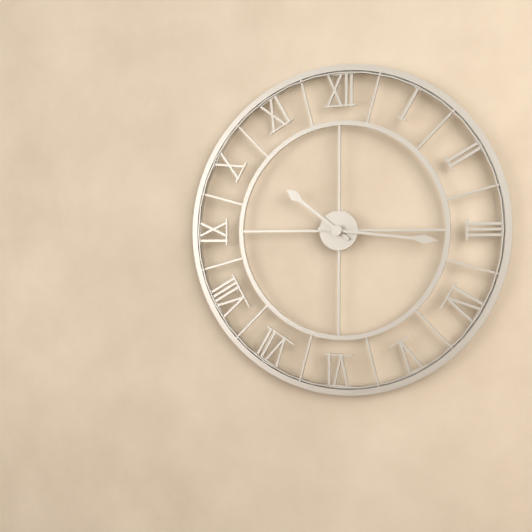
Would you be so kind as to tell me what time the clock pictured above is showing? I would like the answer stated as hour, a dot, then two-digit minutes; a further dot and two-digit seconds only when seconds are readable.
10.16
